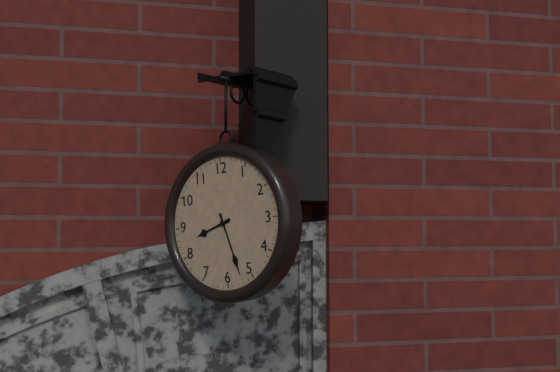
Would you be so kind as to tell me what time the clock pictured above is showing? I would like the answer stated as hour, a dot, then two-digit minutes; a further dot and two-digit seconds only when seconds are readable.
8.27
